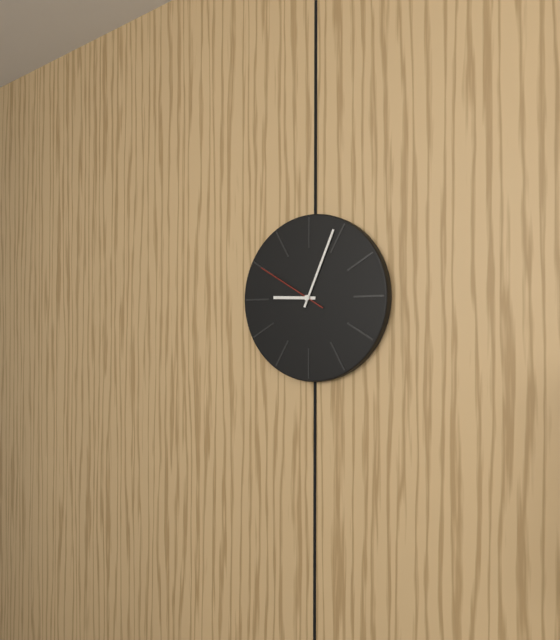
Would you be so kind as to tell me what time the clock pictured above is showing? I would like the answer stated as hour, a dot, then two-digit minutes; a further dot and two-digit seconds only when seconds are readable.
9.04.50
